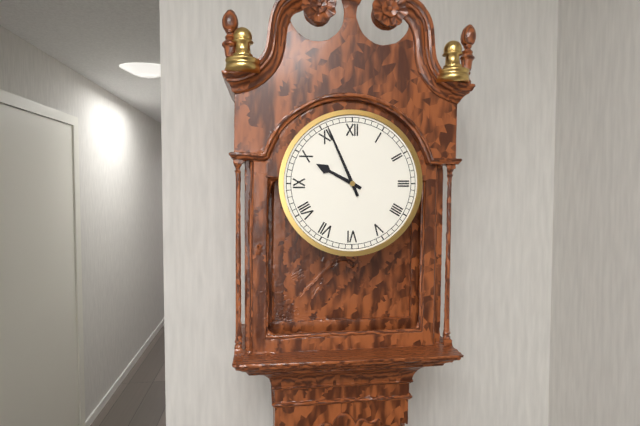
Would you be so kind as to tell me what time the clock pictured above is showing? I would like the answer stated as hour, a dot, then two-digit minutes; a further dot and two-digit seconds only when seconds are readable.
9.56
